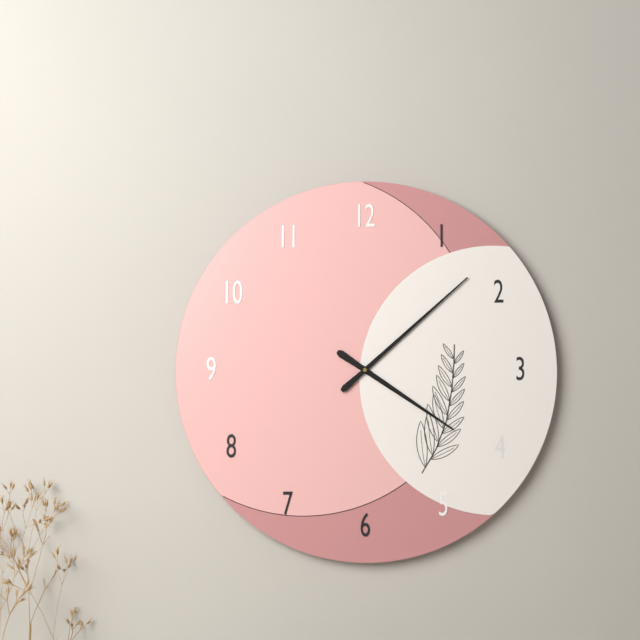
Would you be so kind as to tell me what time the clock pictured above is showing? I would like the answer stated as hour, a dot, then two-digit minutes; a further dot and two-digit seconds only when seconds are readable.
4.08
